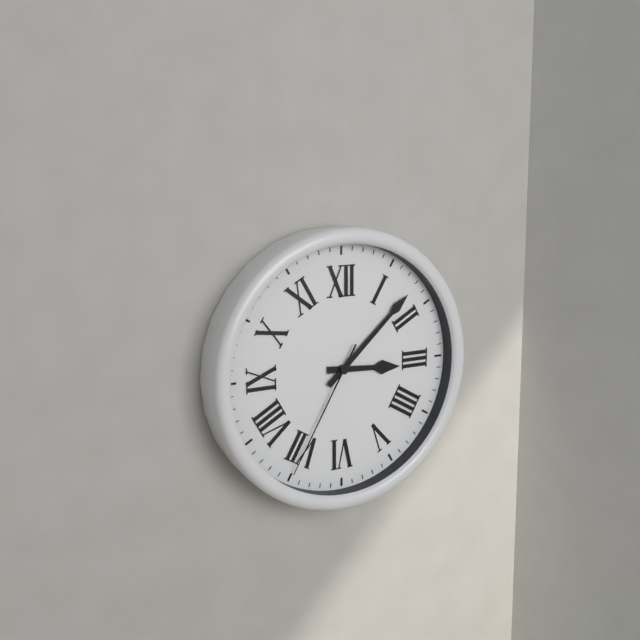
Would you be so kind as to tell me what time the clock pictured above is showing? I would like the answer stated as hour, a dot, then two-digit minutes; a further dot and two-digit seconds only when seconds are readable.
3.08.35
